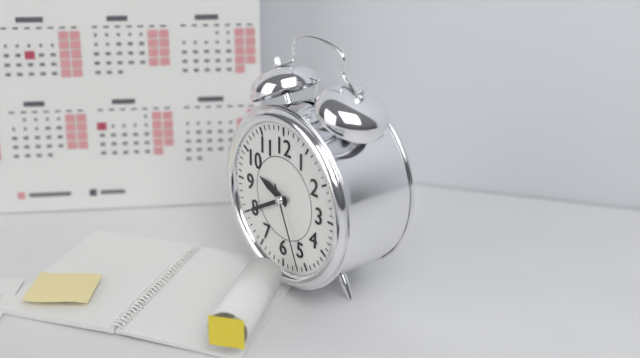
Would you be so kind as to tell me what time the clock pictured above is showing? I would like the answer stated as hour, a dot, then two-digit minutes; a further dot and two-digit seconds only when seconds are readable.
9.40.26
